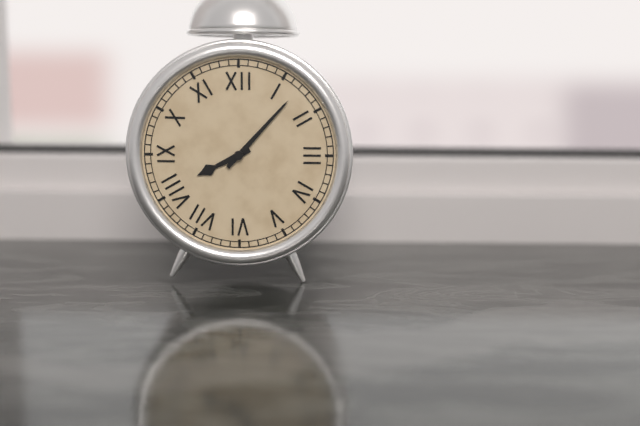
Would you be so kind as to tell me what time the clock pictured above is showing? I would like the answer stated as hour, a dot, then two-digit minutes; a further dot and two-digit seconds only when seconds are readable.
8.07
